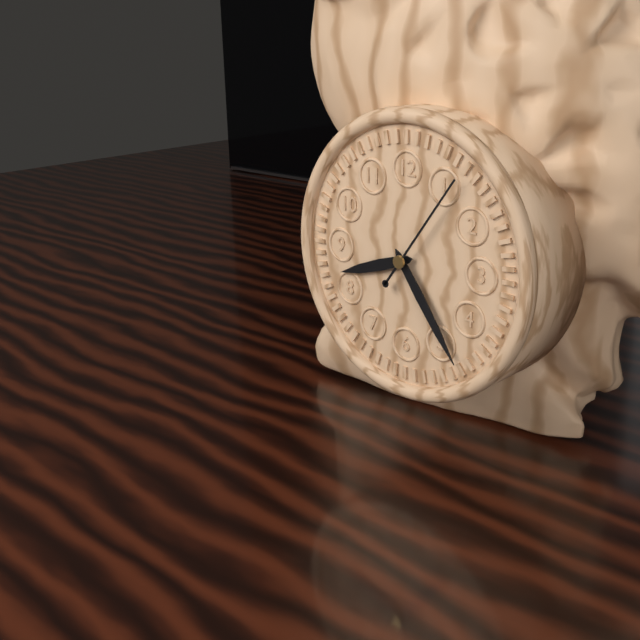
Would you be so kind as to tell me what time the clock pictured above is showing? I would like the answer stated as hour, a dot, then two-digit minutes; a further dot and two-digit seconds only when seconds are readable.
8.24.06
